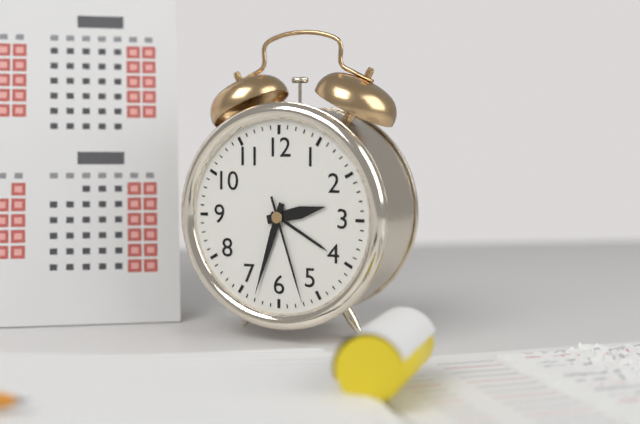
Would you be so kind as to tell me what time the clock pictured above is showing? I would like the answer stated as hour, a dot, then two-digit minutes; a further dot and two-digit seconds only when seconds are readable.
2.33.27
